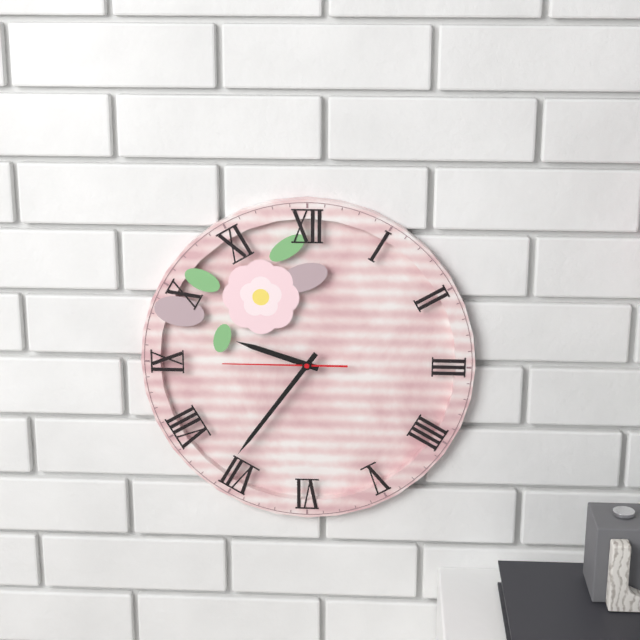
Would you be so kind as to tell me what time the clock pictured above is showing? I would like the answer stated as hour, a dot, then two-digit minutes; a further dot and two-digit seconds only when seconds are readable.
9.36.45
